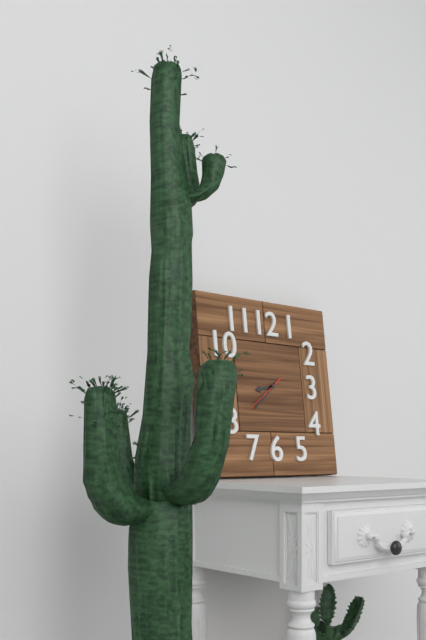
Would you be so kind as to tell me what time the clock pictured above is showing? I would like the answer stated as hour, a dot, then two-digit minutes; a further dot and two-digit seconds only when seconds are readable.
8.38
